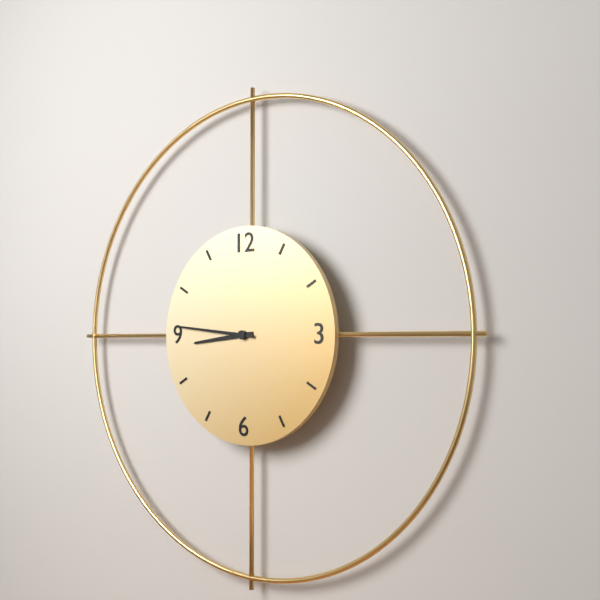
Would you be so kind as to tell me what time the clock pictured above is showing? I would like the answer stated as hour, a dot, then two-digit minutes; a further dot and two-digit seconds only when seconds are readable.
8.46
